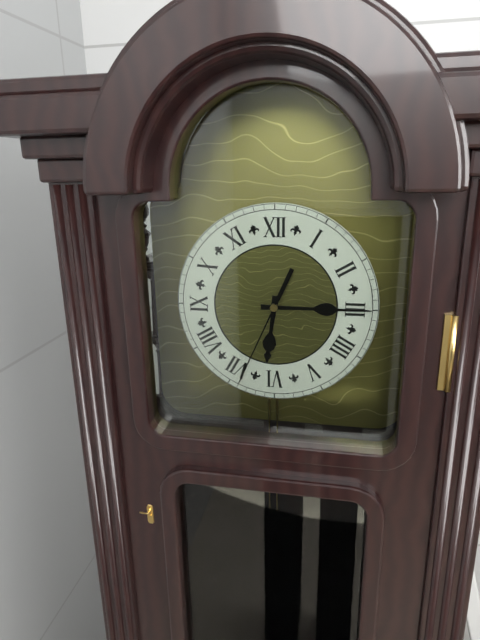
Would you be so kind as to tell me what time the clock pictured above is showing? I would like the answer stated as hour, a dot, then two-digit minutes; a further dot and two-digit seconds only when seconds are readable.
6.15.34
